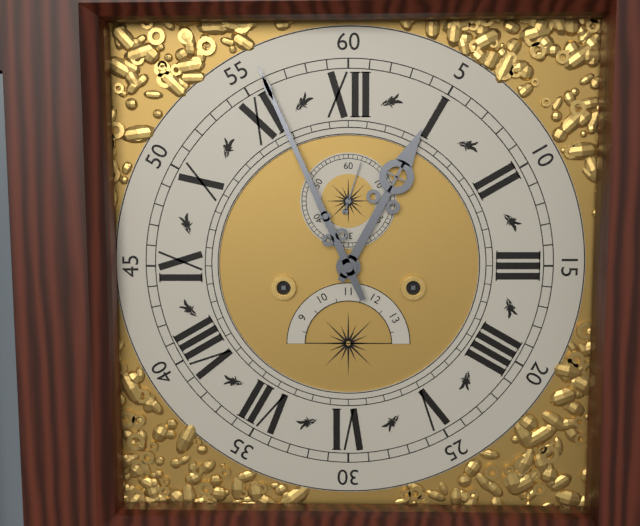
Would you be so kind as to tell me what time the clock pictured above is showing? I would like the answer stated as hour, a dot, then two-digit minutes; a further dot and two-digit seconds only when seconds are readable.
12.56.03
